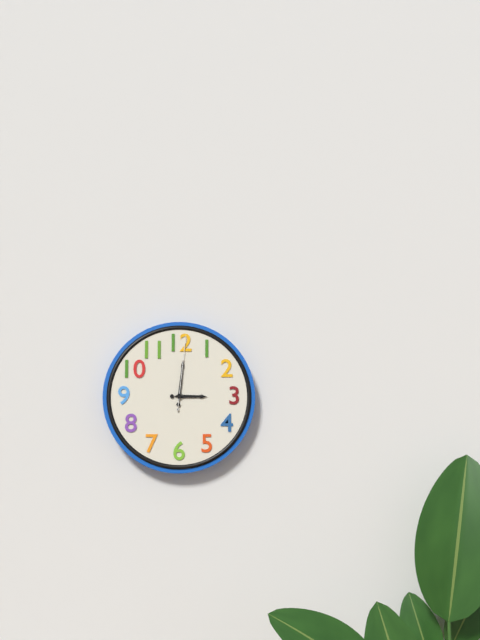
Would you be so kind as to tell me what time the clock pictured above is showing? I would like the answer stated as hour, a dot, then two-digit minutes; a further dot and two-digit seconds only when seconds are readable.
3.01.01
